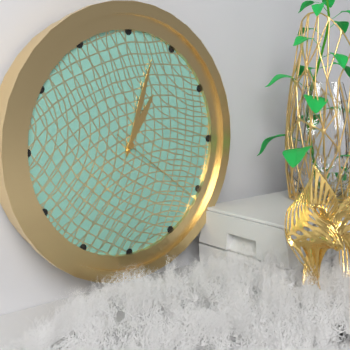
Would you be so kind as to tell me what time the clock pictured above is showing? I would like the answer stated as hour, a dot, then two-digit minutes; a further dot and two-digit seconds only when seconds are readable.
1.03.21
